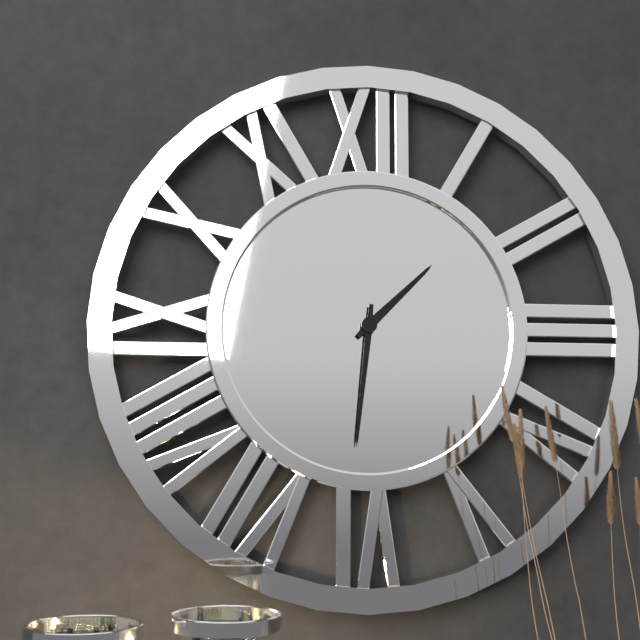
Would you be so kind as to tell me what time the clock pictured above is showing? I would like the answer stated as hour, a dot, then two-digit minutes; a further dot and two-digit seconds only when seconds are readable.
1.31
